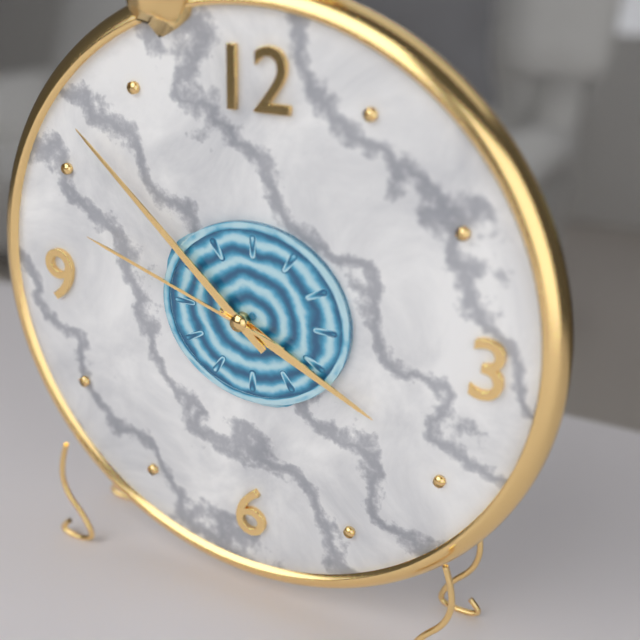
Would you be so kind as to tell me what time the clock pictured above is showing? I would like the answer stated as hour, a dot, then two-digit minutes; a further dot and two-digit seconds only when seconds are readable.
3.52.48
